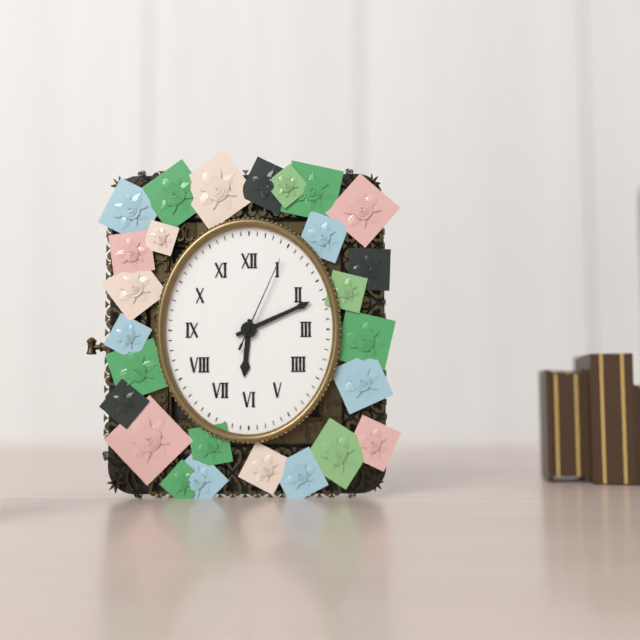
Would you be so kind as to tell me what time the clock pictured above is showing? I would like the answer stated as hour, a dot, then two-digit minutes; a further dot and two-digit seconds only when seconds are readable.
6.11.04
